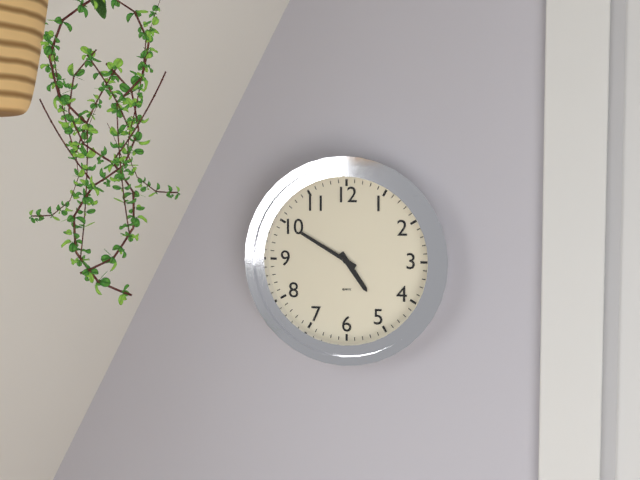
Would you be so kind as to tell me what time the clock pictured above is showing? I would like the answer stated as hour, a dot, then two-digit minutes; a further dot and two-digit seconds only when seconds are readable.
4.50
